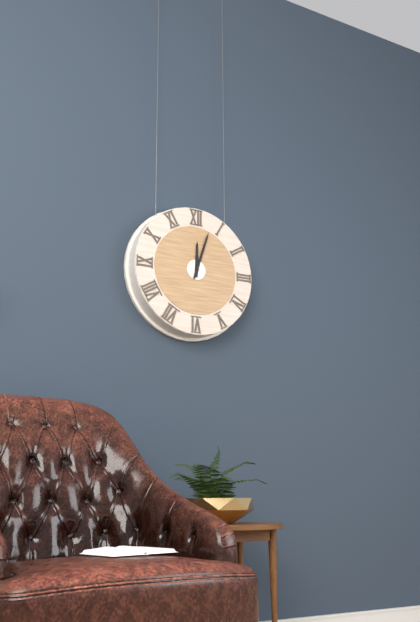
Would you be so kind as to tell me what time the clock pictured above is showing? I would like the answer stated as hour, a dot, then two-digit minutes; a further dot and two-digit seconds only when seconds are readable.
12.03
